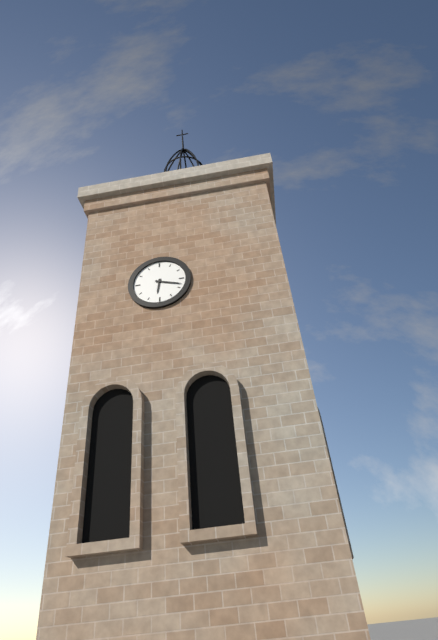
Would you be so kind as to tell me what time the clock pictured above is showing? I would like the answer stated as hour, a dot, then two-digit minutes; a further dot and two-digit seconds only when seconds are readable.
6.18
